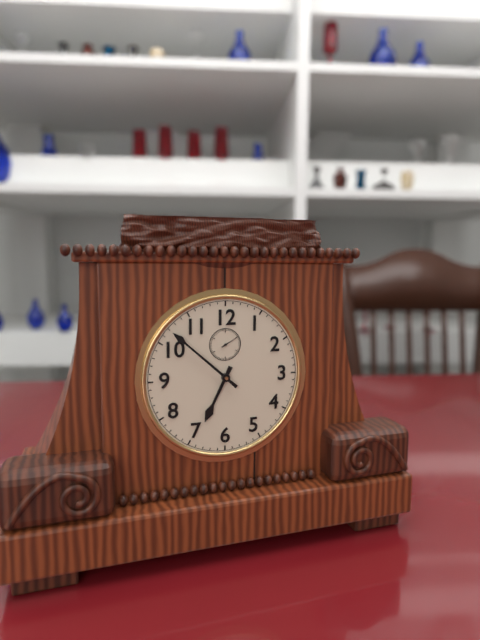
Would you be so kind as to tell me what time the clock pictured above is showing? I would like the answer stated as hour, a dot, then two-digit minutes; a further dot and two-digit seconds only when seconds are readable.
6.52
